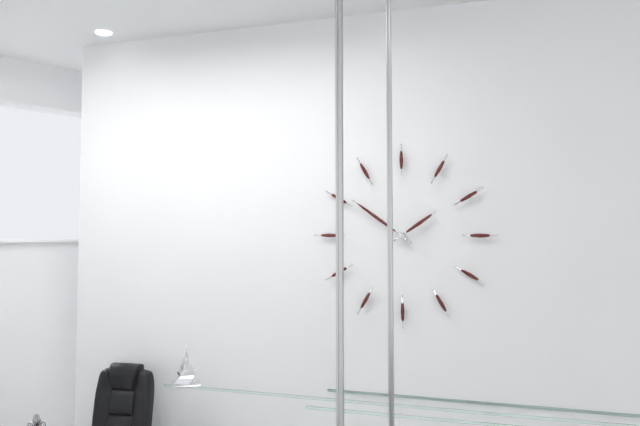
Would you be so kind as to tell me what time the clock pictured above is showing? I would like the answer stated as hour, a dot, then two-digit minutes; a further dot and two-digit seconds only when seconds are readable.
1.51
